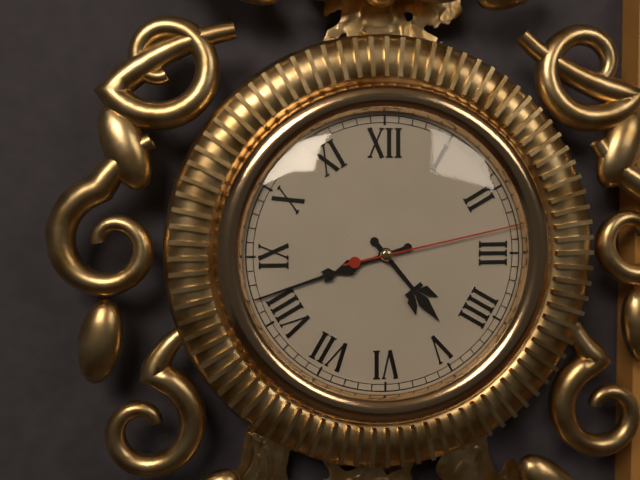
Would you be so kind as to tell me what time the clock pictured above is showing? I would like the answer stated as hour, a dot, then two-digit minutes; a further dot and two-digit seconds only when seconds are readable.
4.42.13
